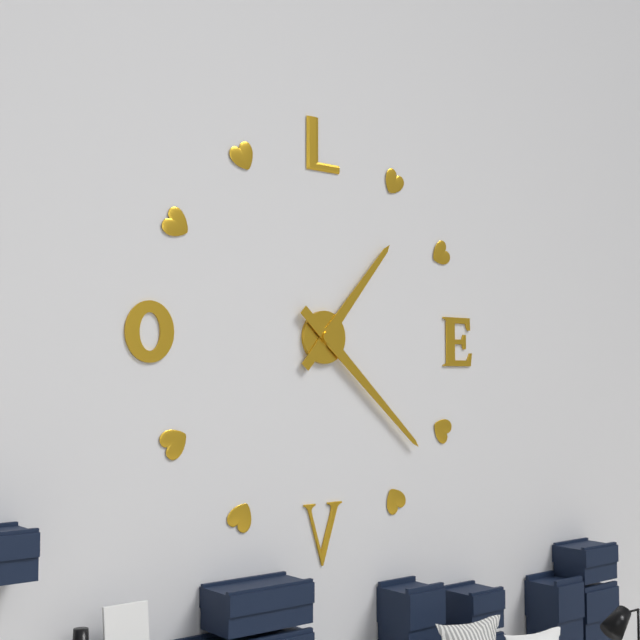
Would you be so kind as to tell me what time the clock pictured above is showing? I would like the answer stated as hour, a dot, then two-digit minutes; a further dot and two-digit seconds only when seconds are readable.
1.22
